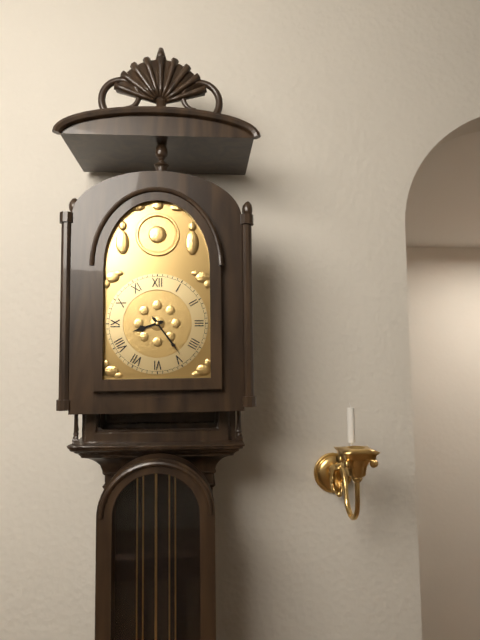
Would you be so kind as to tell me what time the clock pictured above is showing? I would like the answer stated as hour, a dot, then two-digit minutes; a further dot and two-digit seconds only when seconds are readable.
8.24
